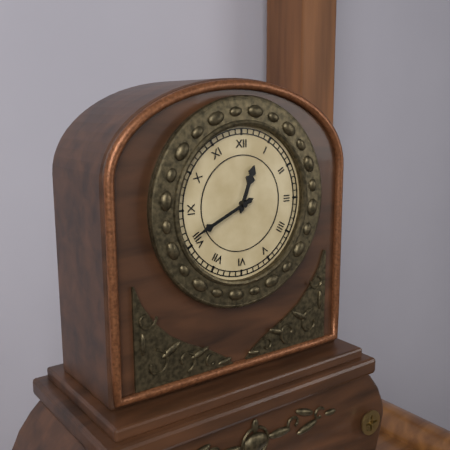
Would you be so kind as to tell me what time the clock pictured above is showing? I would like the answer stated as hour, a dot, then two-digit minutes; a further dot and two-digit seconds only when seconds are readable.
12.41
